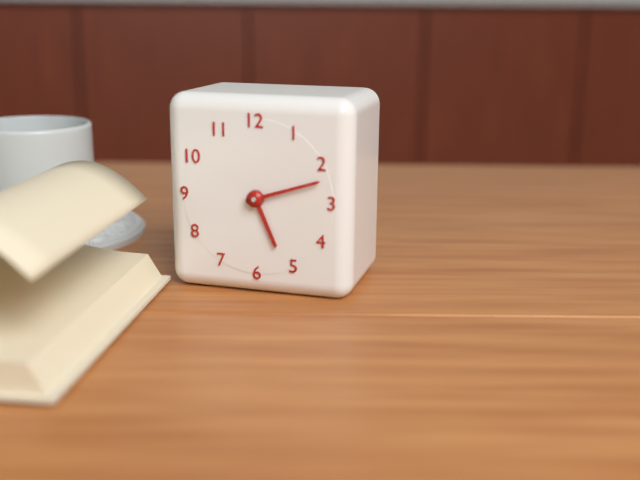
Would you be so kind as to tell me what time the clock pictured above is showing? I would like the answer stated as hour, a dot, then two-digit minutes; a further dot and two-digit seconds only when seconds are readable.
5.12
